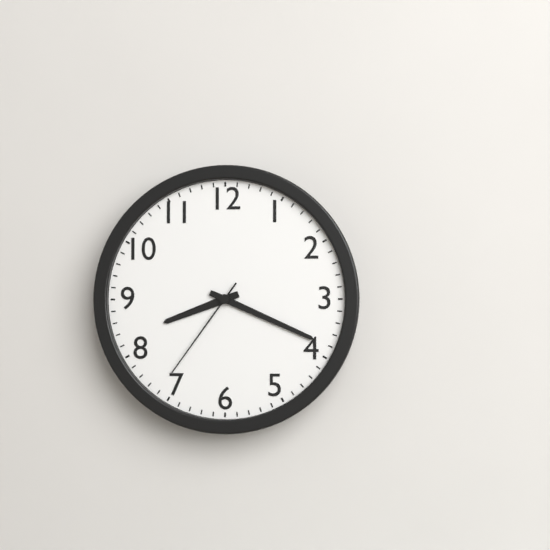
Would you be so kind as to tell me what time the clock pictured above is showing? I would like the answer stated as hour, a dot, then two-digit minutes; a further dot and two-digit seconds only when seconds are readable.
8.19.36
